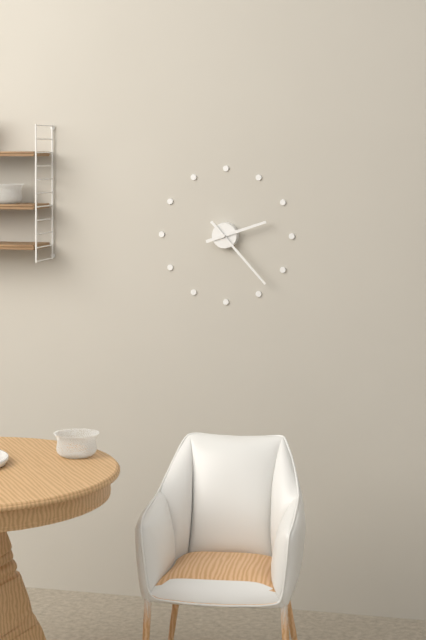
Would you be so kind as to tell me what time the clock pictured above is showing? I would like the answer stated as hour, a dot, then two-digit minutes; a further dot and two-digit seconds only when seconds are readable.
2.23
